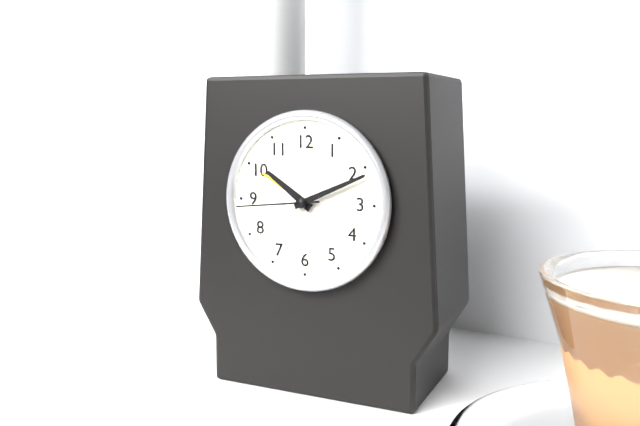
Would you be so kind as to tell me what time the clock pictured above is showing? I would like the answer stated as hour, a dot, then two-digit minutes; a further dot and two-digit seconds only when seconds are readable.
10.11.44
